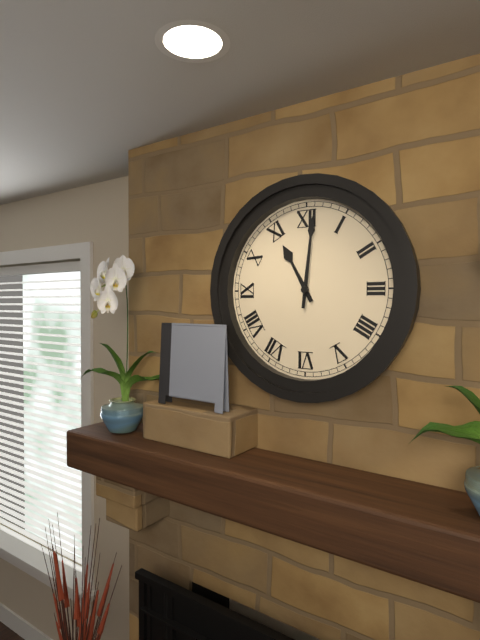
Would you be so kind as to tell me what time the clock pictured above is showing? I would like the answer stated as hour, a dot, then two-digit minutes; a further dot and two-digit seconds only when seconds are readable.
11.01
